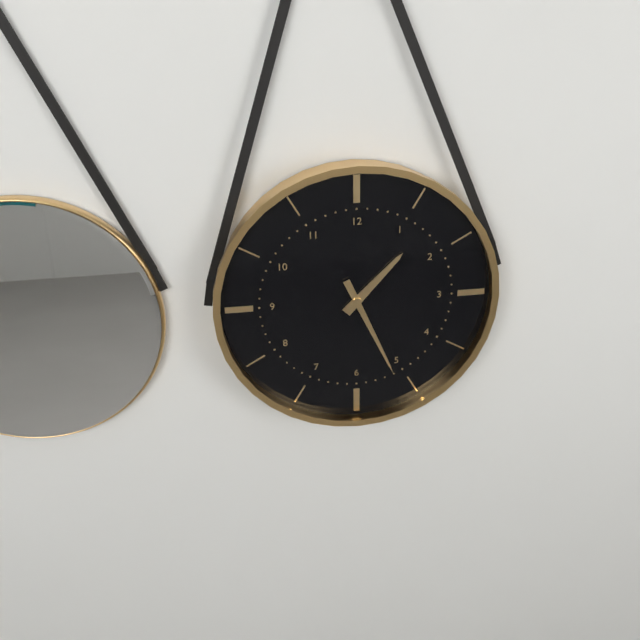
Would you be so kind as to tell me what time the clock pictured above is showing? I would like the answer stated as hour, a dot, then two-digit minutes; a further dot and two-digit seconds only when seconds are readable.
1.26
